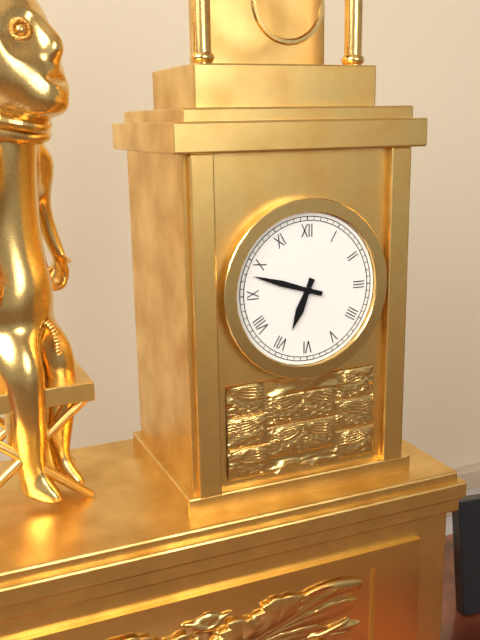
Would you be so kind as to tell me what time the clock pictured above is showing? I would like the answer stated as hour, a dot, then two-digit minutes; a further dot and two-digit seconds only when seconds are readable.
6.48
